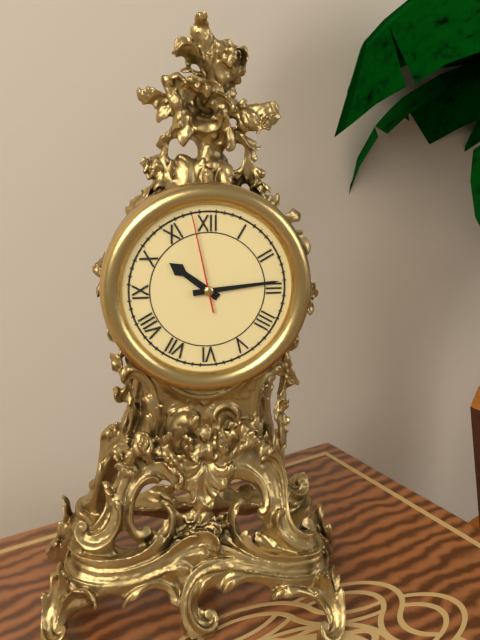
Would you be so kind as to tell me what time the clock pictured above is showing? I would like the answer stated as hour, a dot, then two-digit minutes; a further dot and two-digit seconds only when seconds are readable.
10.14.58
